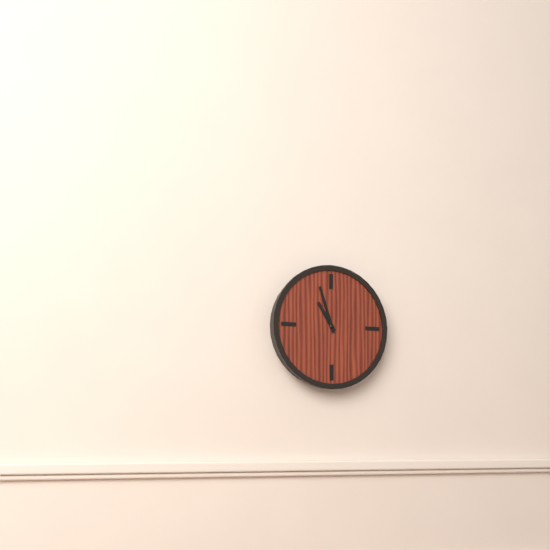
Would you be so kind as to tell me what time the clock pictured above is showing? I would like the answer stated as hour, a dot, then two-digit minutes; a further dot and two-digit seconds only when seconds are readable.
10.57
